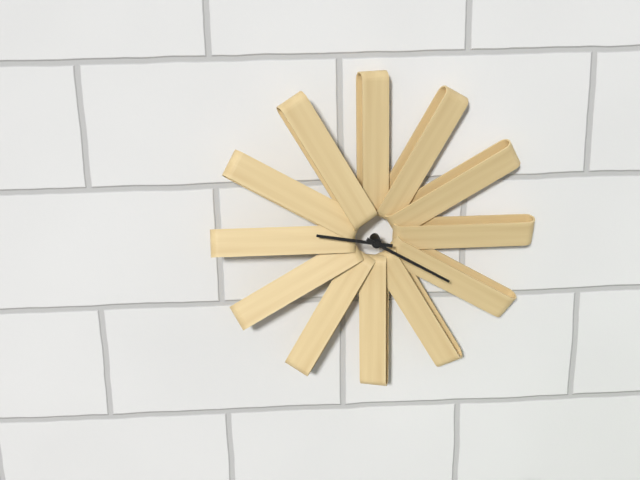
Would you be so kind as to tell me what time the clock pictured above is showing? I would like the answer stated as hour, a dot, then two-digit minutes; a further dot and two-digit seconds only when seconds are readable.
9.20
